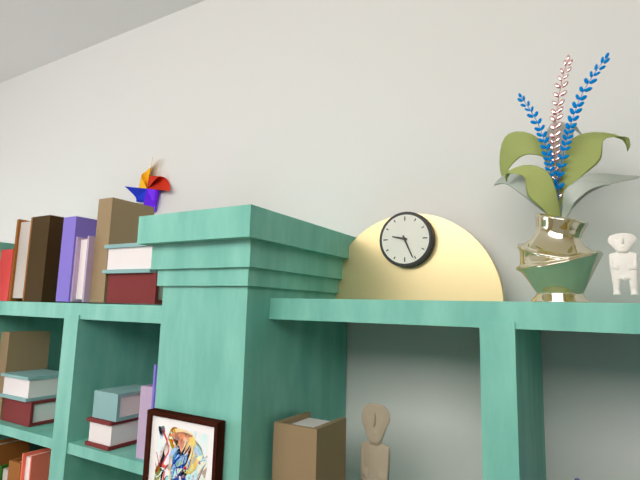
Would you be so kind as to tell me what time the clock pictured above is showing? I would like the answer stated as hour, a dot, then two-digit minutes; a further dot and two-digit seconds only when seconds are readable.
9.26
